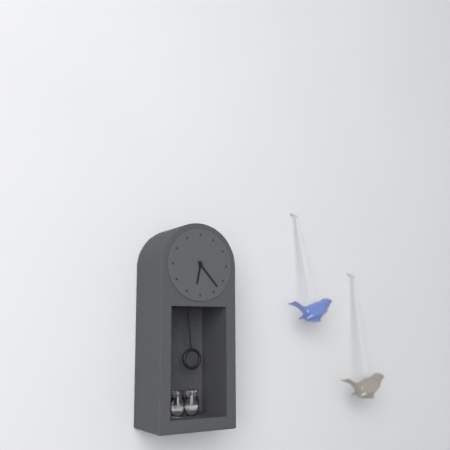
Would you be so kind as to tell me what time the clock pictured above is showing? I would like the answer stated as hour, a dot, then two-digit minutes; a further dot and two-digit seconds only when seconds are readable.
6.23
